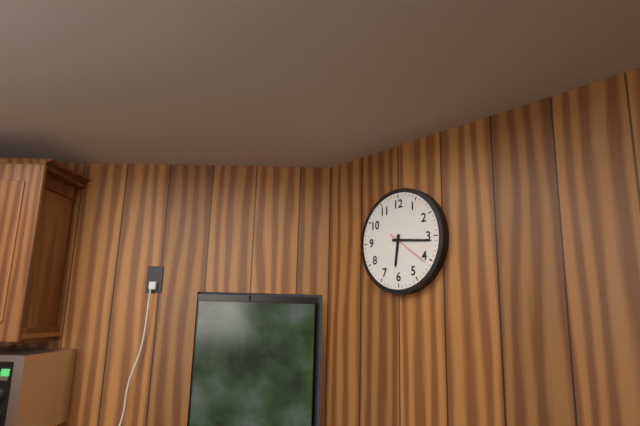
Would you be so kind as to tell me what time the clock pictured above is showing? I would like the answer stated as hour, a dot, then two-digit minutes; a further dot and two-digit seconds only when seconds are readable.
6.16
